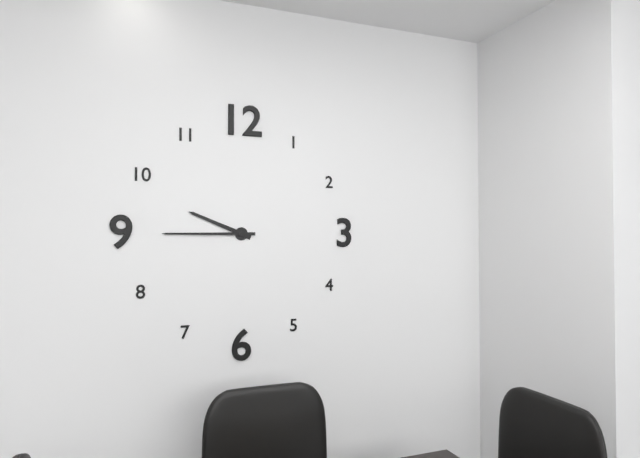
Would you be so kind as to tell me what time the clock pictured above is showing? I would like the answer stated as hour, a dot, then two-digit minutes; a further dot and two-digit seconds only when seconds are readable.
9.45
